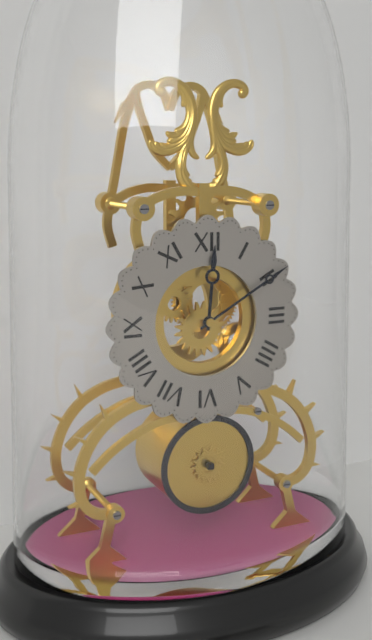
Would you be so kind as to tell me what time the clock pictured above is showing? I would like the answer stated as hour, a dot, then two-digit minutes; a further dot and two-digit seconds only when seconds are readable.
12.10
